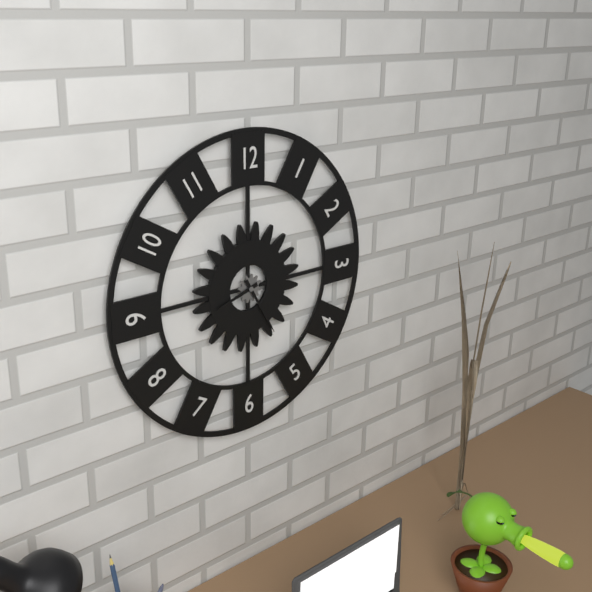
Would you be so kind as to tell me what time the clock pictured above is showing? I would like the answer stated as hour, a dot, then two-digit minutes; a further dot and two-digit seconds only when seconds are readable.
8.25
